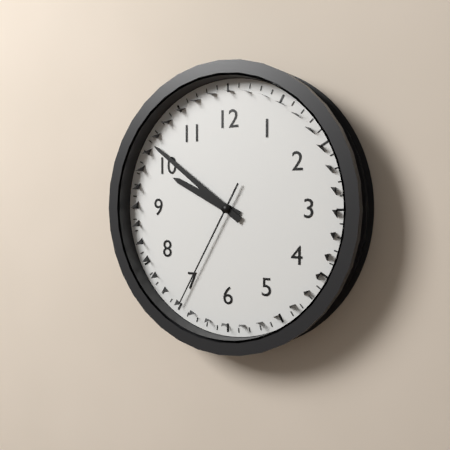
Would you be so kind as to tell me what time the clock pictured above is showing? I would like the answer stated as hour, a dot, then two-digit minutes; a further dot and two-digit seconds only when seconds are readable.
9.51.35
